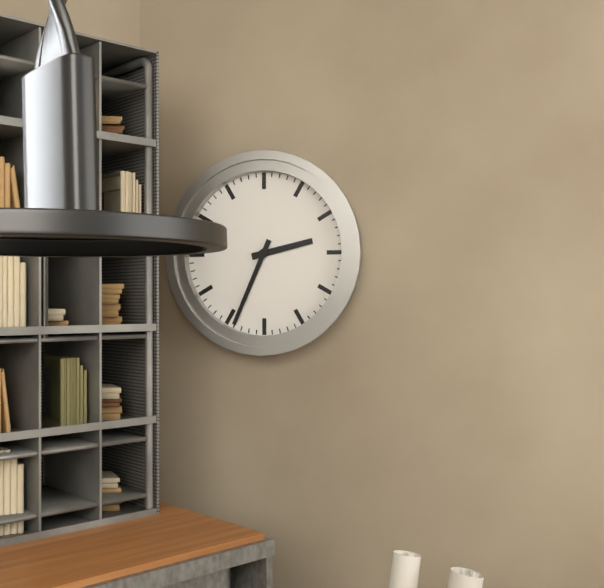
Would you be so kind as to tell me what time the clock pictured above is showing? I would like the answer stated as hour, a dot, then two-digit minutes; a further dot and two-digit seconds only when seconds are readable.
2.34
